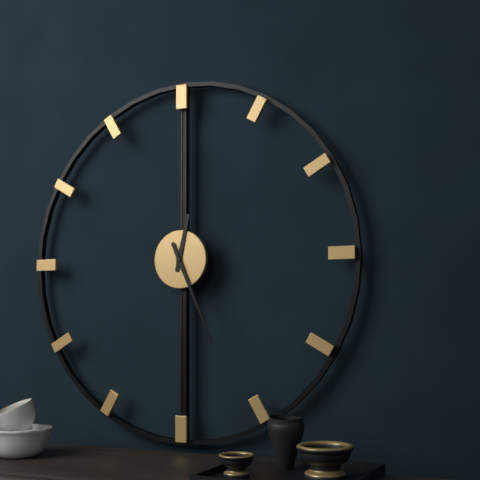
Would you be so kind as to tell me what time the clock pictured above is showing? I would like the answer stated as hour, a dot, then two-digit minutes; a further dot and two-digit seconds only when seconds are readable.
12.26
